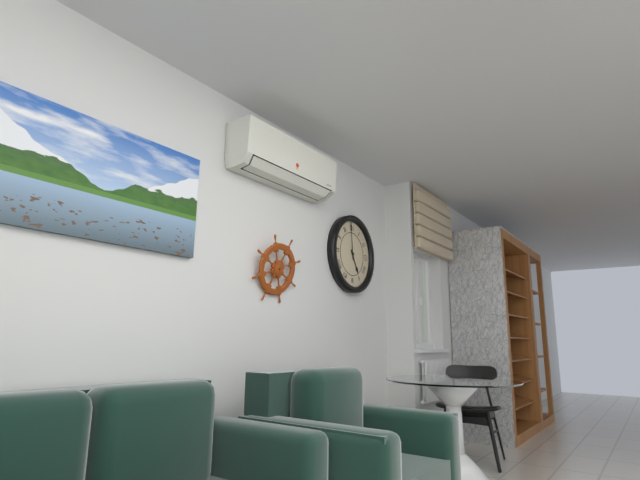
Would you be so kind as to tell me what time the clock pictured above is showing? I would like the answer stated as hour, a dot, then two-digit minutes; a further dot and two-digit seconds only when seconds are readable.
4.59
